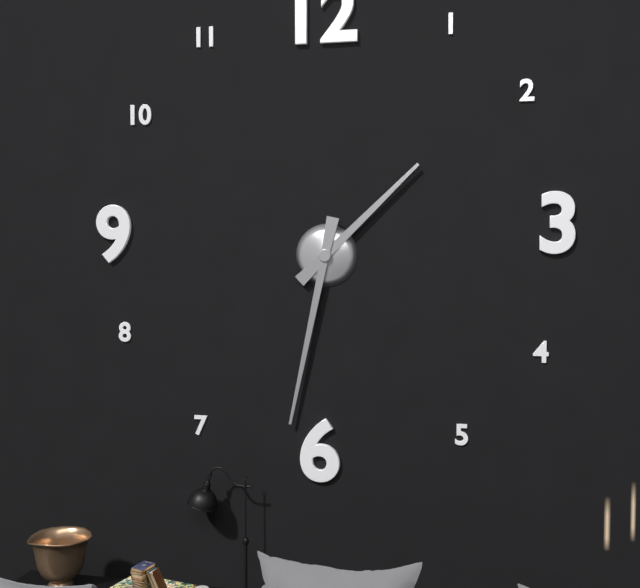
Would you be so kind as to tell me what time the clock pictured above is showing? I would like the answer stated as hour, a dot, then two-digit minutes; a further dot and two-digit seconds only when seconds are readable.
1.32
